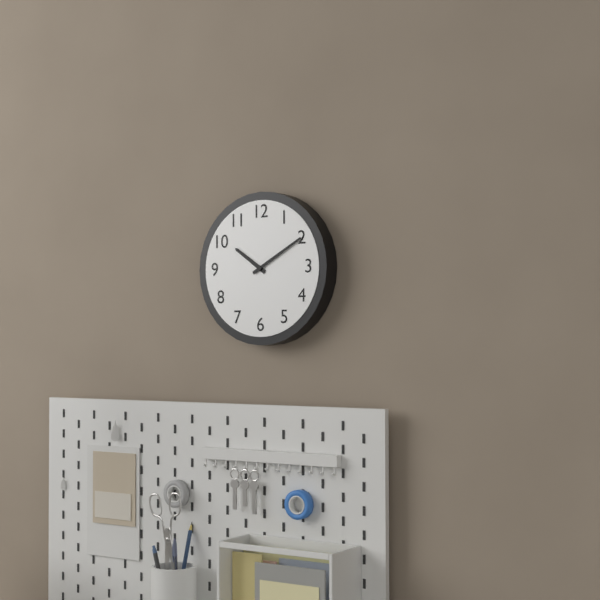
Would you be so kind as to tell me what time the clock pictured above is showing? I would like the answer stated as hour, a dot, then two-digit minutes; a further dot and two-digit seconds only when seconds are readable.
10.10
